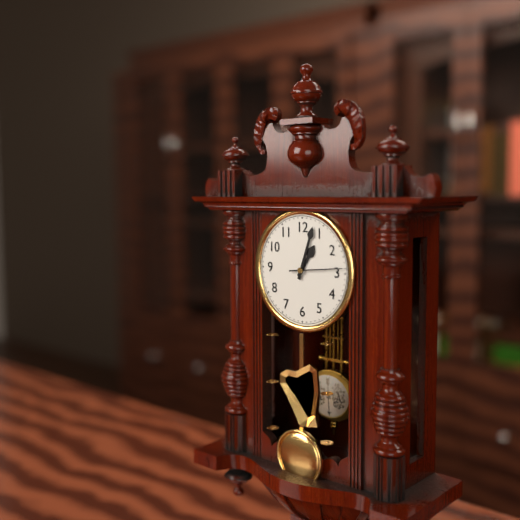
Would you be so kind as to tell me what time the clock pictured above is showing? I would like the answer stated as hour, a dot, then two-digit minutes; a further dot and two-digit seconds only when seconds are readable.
1.03.14
